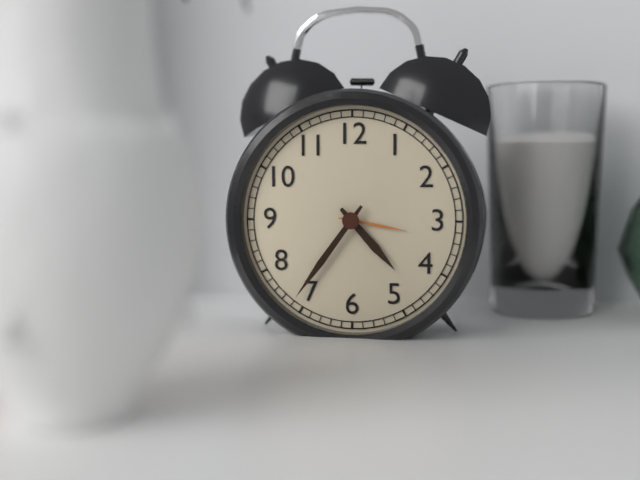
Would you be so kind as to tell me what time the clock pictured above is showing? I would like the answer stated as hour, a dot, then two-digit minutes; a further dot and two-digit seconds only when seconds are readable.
4.36
